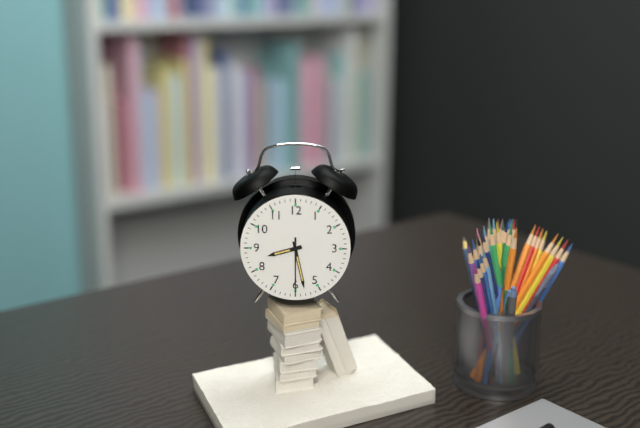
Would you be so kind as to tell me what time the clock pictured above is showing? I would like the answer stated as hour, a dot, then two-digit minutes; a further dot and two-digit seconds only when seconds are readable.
8.28.30
